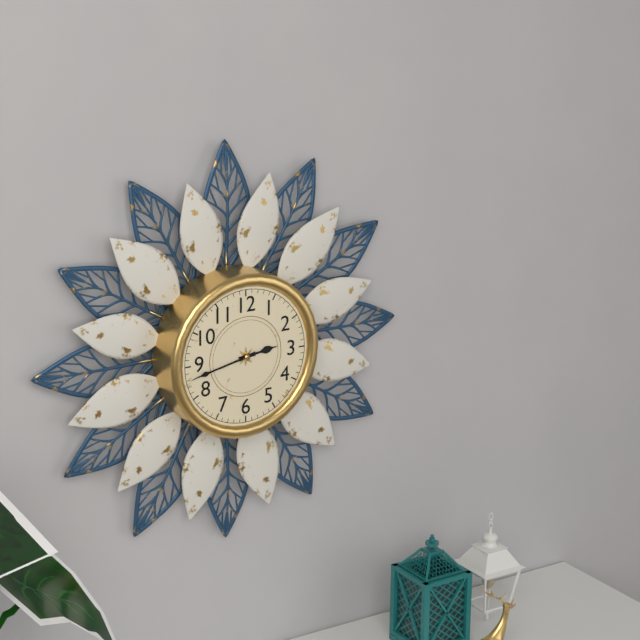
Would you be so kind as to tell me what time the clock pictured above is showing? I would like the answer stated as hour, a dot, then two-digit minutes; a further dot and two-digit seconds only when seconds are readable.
2.43.43
